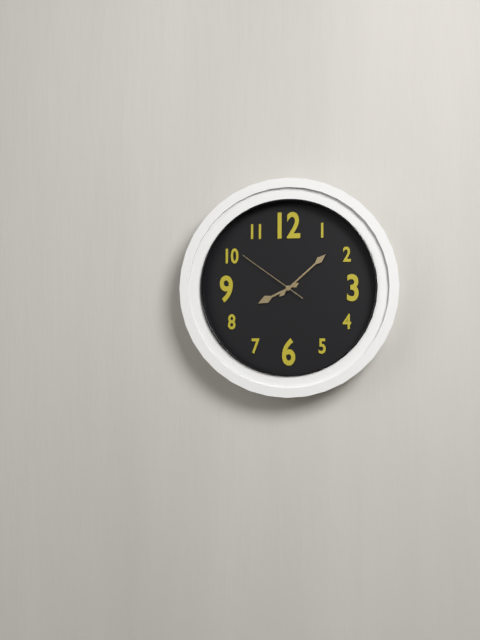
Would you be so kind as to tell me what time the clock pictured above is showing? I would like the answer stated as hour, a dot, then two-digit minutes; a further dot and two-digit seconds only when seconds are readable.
8.08.51
